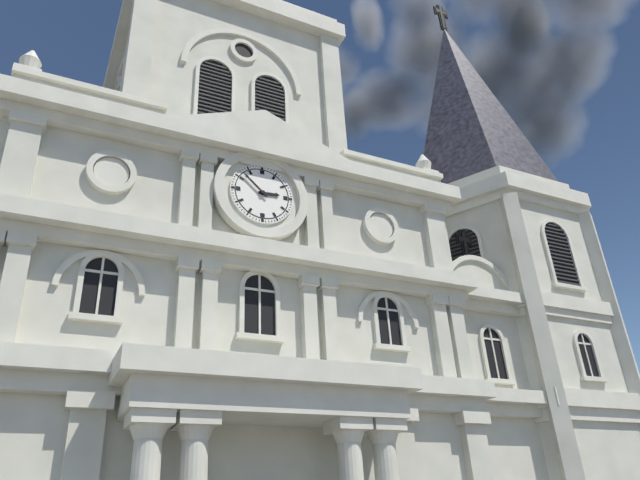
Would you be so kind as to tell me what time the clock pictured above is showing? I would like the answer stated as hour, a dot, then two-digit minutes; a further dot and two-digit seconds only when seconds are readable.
2.52
